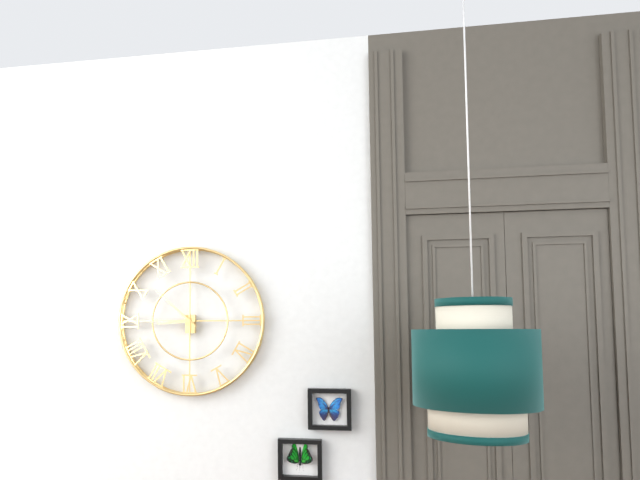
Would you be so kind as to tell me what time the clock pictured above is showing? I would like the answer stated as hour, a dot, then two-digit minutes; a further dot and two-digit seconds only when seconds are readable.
8.52
